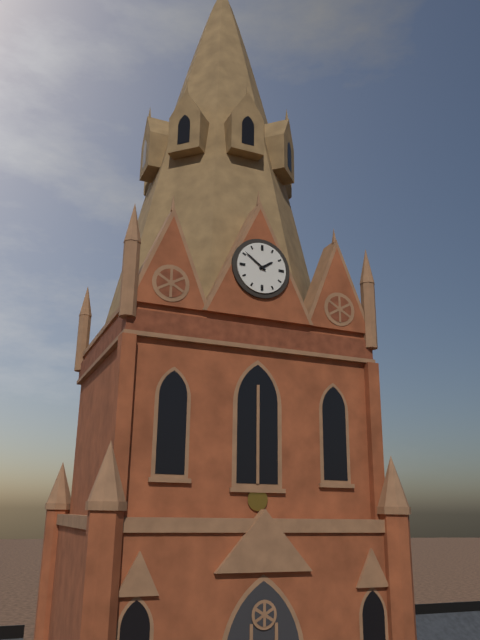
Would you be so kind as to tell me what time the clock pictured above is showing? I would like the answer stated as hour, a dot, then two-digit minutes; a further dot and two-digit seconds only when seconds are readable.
1.51
